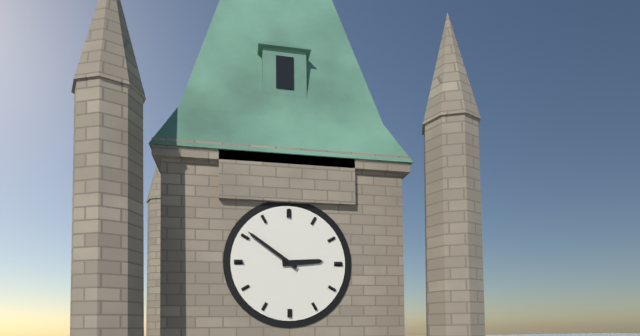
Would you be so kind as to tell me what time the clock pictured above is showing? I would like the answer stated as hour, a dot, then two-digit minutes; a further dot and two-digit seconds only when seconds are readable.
2.51
